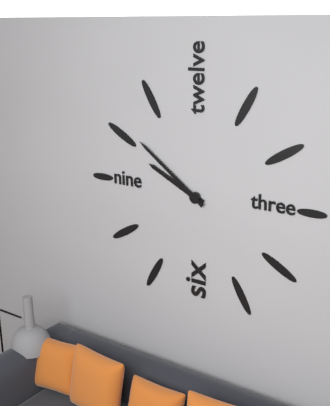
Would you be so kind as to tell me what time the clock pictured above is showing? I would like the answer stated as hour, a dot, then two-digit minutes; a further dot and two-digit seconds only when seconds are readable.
9.51
